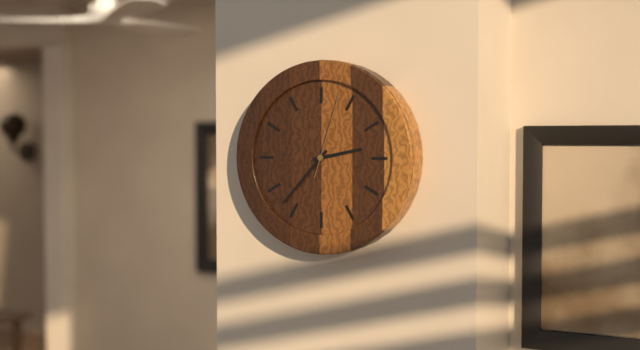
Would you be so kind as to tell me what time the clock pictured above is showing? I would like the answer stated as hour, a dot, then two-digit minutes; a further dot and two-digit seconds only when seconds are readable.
2.37.03
